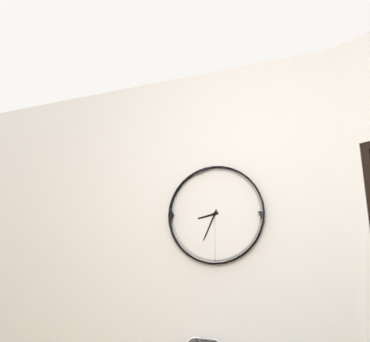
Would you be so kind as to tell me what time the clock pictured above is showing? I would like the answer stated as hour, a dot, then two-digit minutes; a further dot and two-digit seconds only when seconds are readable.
8.34
